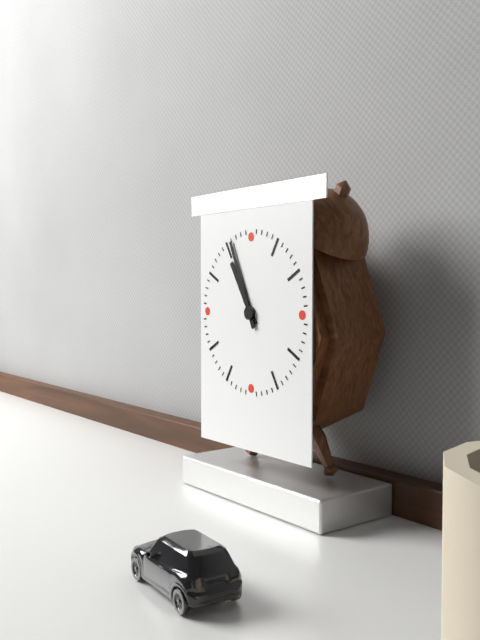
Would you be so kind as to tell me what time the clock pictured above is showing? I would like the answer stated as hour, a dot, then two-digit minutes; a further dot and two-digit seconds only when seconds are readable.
10.56
